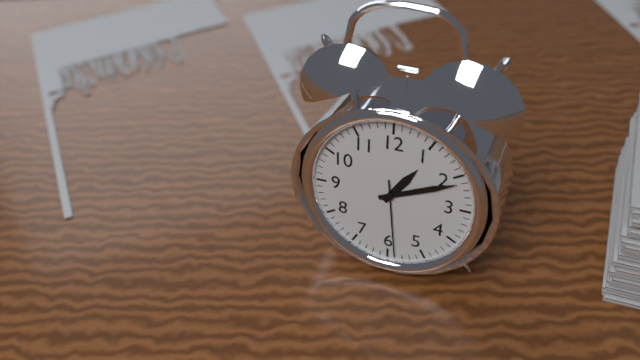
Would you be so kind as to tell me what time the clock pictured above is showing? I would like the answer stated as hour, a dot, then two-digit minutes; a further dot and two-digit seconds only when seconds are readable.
1.11.29
